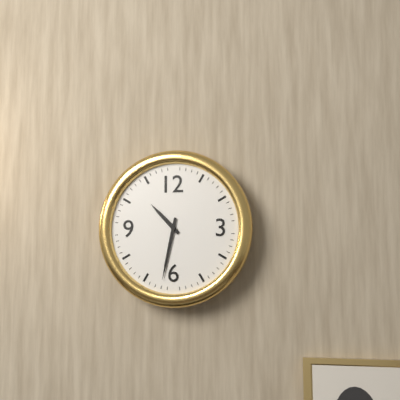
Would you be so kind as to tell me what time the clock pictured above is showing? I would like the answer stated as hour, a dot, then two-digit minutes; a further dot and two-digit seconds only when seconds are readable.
10.32
